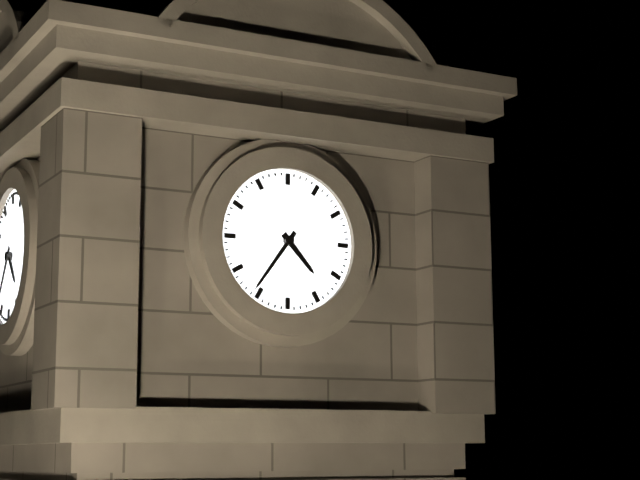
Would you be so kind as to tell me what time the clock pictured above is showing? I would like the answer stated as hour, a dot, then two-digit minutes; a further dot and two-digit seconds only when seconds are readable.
4.36
